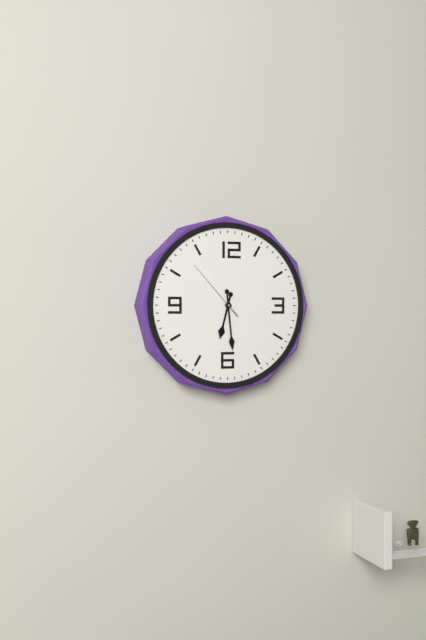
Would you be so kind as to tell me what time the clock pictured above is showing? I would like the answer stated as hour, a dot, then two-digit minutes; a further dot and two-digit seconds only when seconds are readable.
6.29.53
